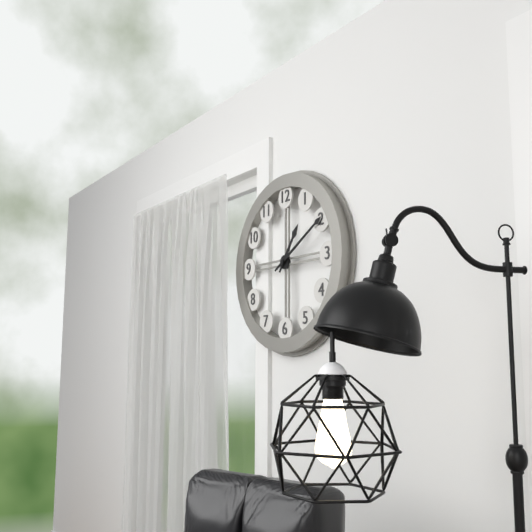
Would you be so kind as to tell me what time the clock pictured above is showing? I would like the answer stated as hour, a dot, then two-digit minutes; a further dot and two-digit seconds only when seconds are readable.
1.10
